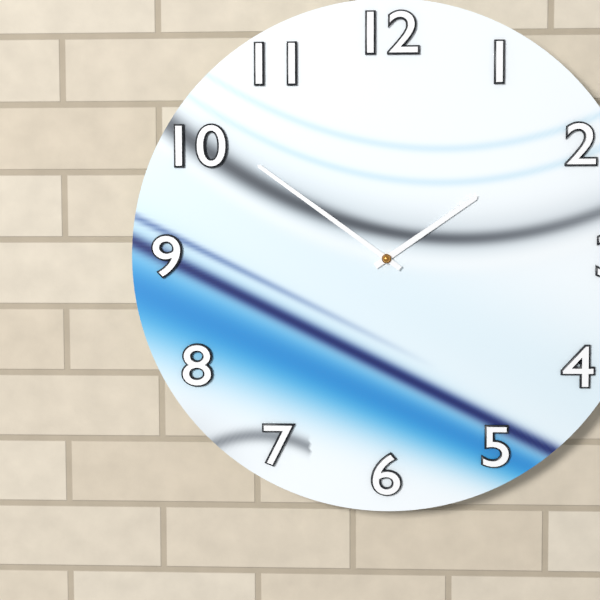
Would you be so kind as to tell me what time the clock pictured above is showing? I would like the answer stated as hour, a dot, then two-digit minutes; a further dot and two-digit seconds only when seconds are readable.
1.51
